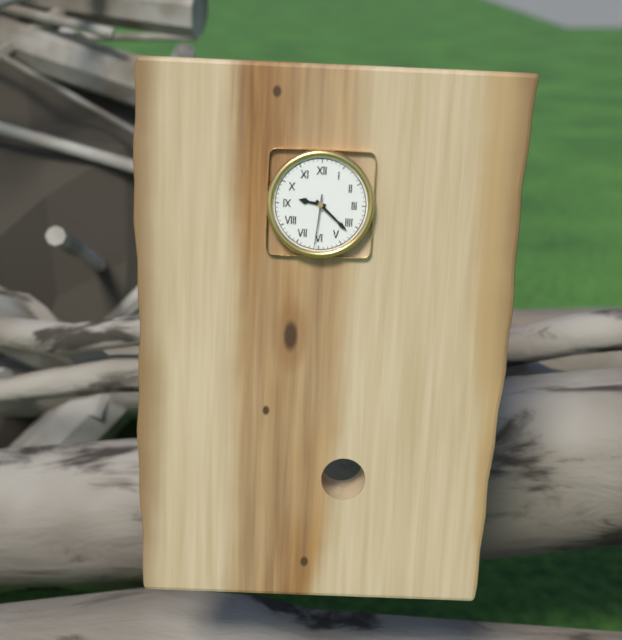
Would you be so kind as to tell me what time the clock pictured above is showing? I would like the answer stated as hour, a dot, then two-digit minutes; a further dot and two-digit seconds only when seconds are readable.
9.22.31
